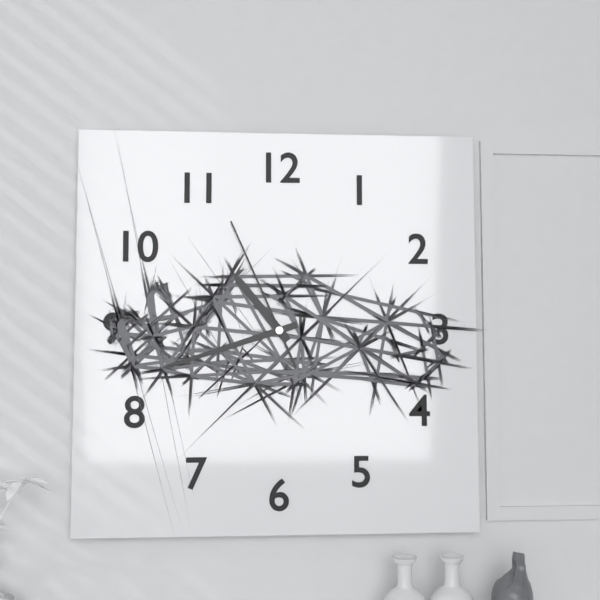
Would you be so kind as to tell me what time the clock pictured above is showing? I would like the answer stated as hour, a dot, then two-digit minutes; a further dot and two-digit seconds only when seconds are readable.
10.42.56
